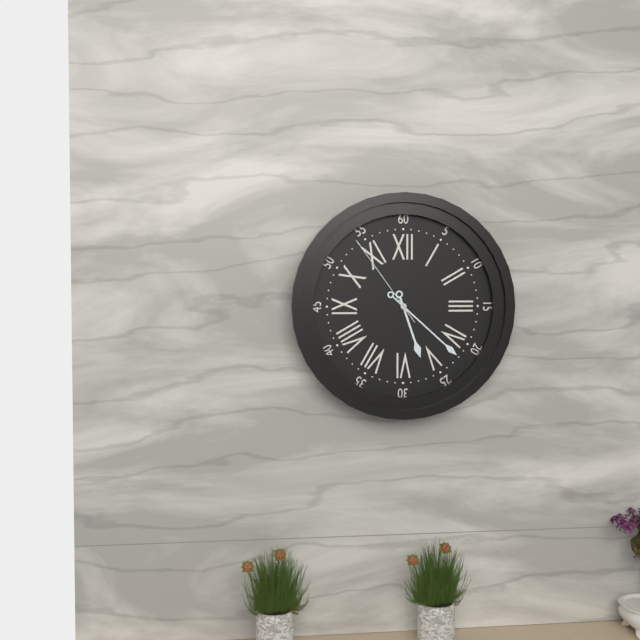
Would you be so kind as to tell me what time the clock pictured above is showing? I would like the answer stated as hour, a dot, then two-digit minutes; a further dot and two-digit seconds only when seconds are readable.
5.22.54
